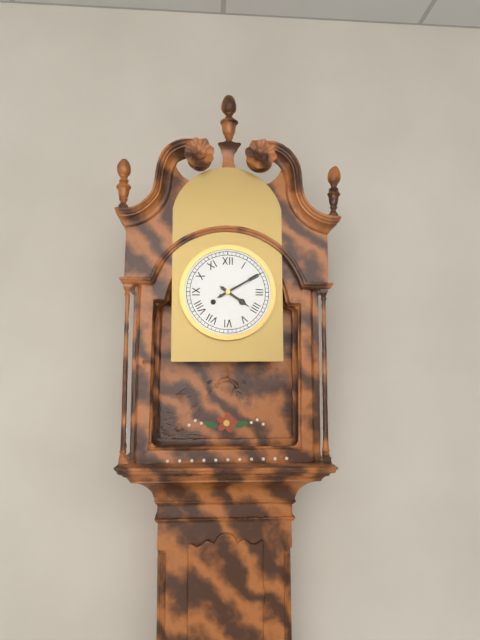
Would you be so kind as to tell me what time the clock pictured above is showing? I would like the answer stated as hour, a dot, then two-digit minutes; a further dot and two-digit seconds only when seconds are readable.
4.10
